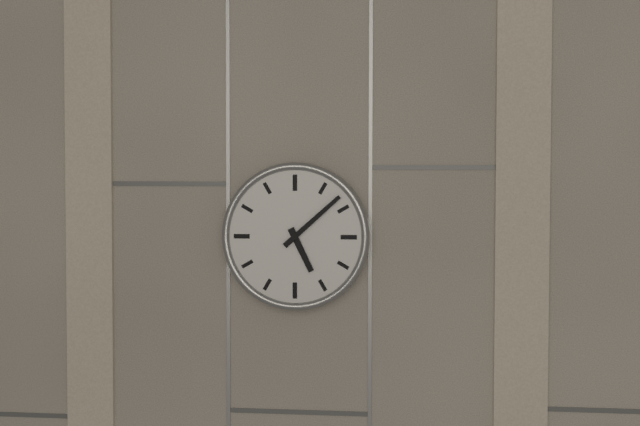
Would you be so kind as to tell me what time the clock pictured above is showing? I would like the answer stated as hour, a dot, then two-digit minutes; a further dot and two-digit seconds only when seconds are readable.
5.08
